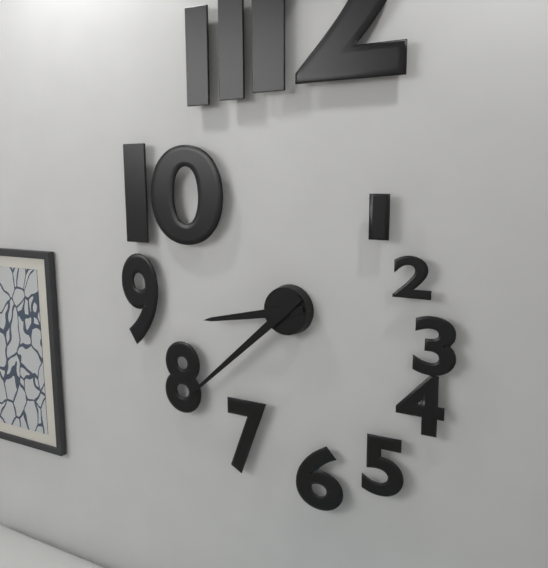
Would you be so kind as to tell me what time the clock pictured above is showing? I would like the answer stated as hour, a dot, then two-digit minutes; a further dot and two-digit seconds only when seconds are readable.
8.38
